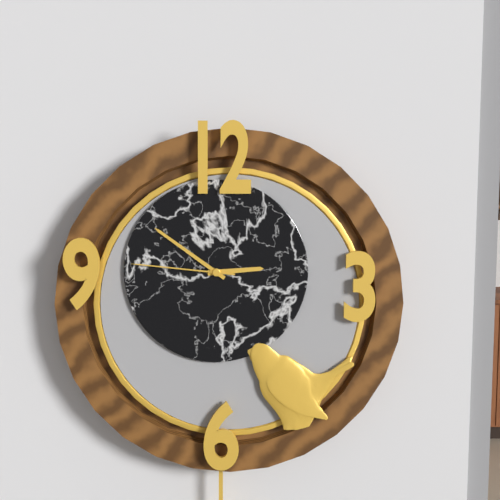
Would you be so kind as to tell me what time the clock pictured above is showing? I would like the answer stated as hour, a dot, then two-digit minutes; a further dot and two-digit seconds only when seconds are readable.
2.51.46
